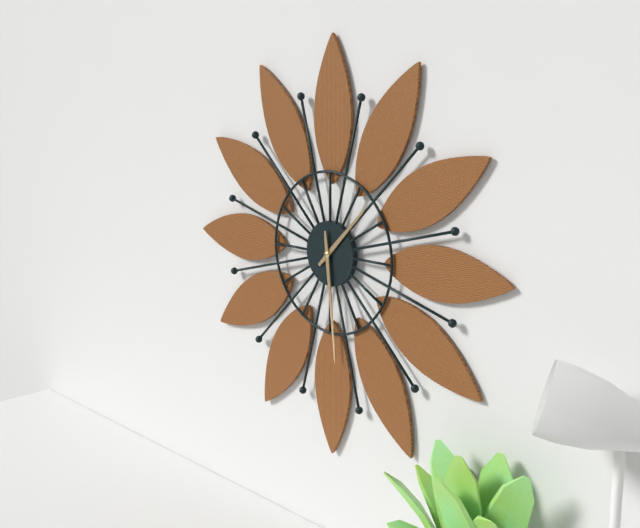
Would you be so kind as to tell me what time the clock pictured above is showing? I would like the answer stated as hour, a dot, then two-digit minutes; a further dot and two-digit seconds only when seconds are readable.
1.29
